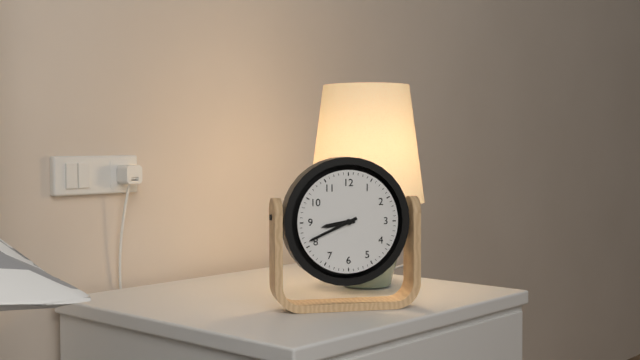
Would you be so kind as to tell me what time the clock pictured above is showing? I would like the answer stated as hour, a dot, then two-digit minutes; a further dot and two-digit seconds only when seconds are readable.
8.41
